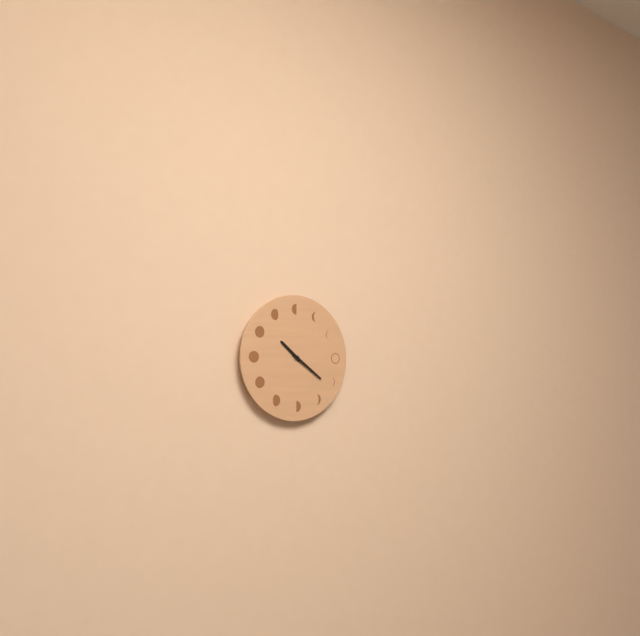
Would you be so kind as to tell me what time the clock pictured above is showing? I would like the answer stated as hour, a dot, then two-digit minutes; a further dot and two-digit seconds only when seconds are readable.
10.21
